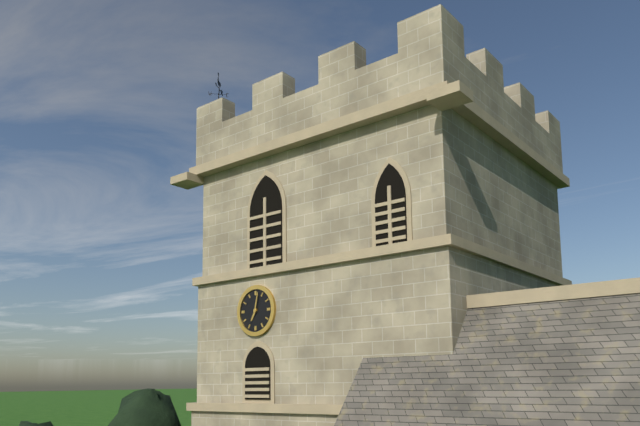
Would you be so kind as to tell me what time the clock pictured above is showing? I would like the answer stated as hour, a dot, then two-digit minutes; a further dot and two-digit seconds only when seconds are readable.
7.02
